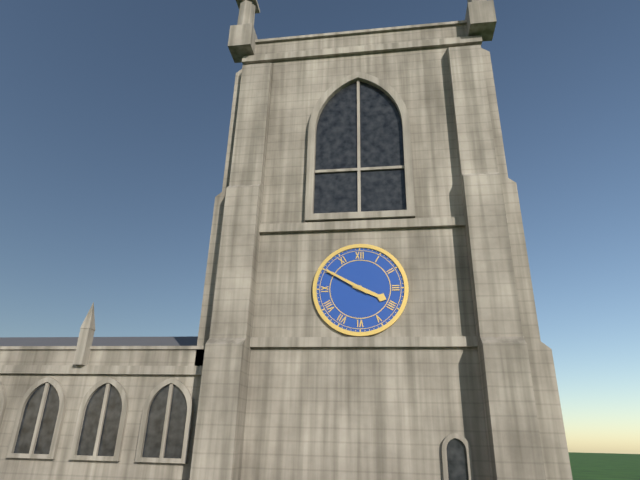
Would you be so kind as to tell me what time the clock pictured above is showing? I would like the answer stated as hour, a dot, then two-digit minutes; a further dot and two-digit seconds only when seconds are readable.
3.50
